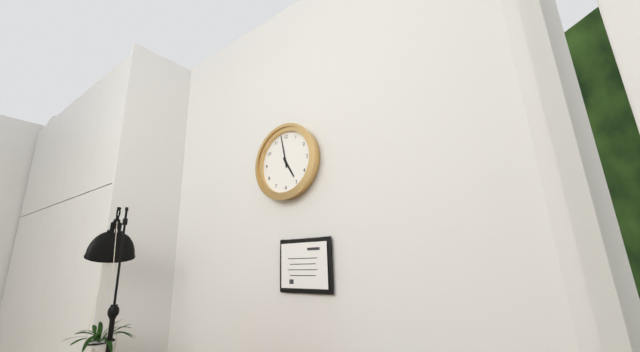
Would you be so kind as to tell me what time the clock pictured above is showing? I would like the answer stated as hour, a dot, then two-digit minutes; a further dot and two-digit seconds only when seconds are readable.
4.58
